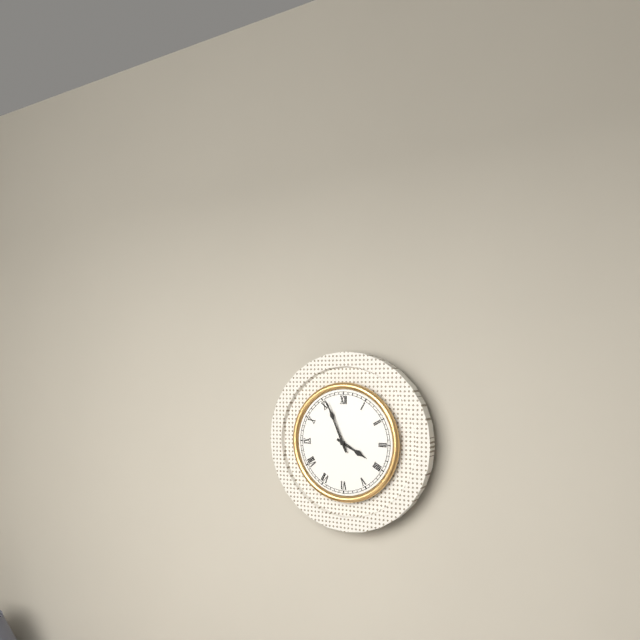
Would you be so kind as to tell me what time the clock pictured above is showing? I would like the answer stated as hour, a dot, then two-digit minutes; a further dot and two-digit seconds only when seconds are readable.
3.56
